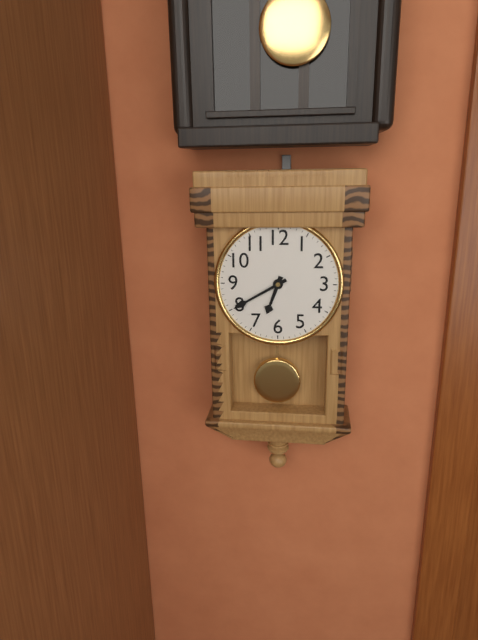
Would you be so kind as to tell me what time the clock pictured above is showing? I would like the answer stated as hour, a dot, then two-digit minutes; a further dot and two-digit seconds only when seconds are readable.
6.40
